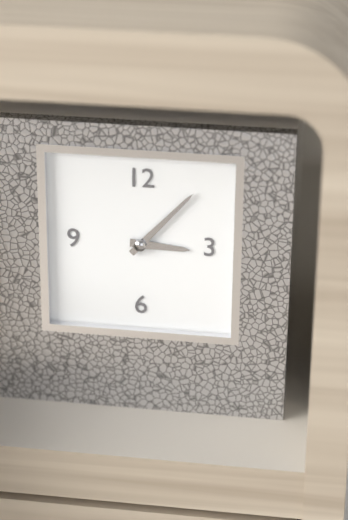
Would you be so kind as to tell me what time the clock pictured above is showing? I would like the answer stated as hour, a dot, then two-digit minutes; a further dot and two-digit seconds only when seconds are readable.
3.07
